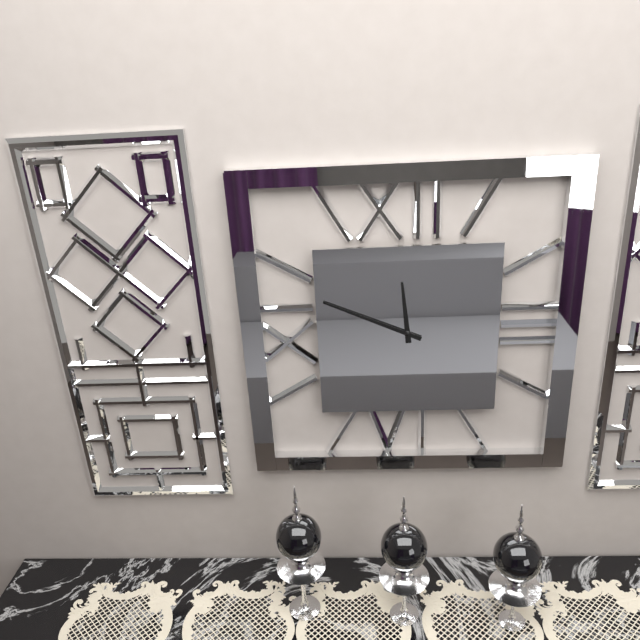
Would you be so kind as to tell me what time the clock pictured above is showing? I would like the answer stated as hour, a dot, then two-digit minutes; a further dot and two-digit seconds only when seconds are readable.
11.49
